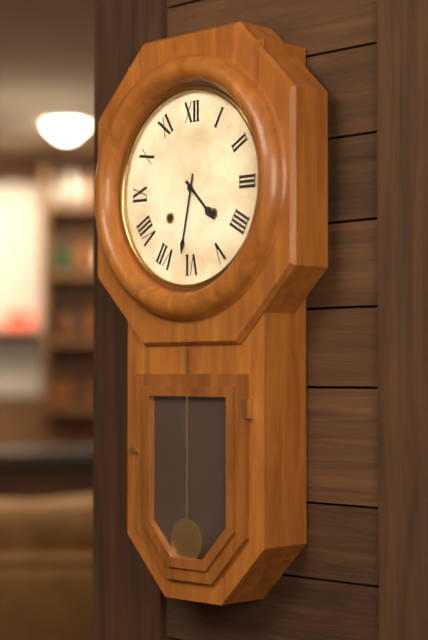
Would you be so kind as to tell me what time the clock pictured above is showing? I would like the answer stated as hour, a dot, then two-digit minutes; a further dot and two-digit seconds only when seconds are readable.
4.32
